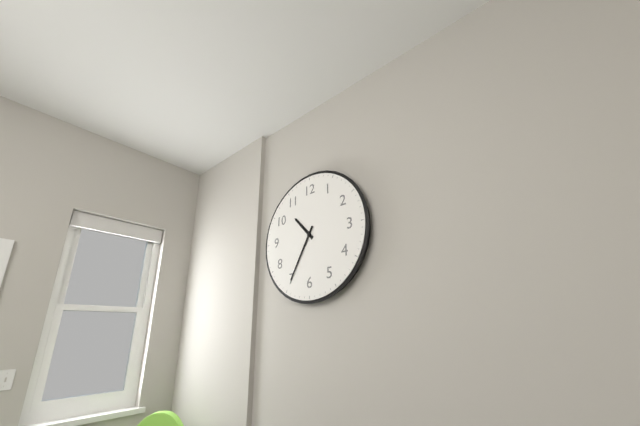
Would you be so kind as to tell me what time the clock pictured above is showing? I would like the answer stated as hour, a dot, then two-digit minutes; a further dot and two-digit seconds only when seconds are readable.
10.35
